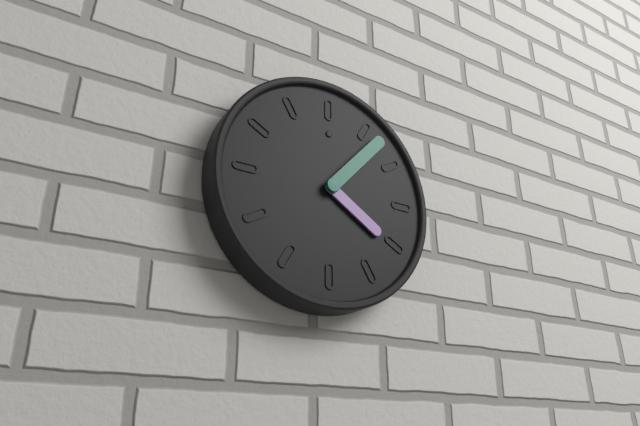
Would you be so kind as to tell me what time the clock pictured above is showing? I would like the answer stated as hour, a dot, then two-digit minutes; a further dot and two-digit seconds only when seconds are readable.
4.07
